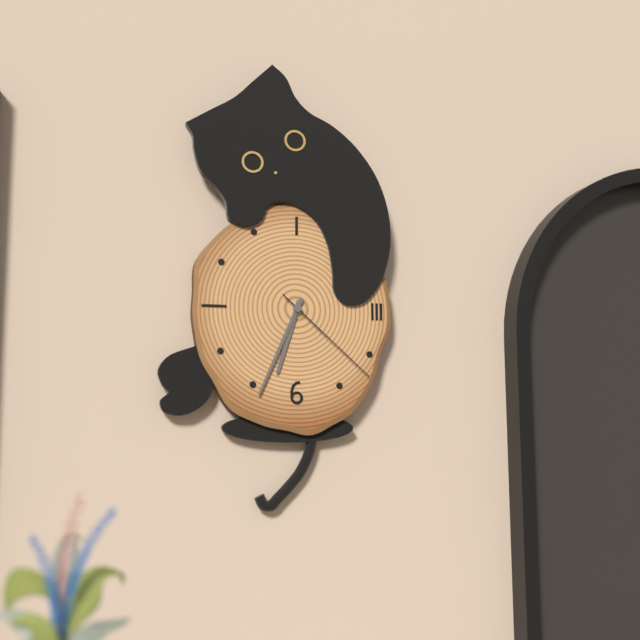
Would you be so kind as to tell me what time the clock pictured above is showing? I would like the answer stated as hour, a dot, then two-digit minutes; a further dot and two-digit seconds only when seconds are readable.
6.34.22
